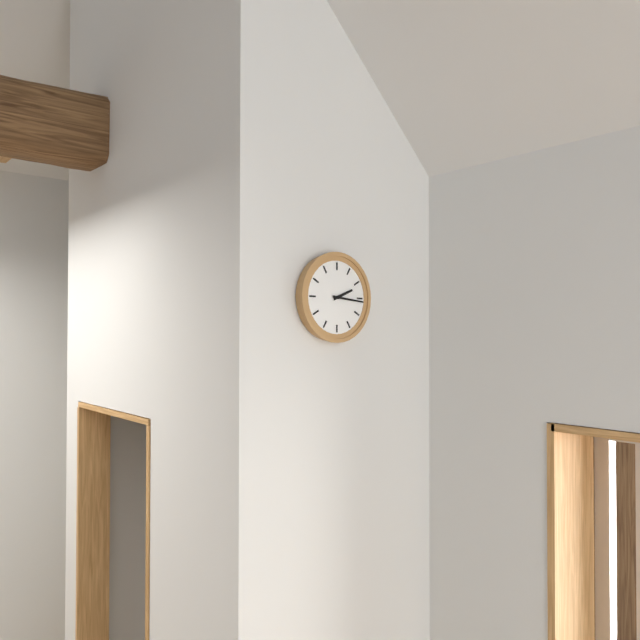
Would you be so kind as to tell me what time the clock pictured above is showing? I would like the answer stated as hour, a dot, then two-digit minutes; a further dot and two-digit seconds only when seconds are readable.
2.16
